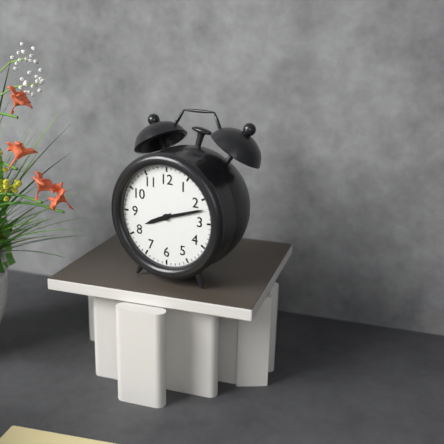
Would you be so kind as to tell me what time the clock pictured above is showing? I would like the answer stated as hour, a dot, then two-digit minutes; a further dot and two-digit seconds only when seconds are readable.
8.12
